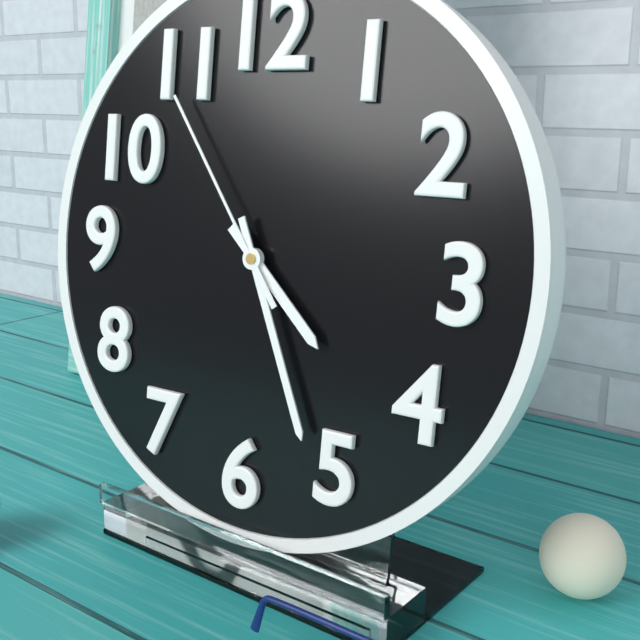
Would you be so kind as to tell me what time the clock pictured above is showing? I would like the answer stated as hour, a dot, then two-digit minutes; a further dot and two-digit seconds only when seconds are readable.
4.26.54
